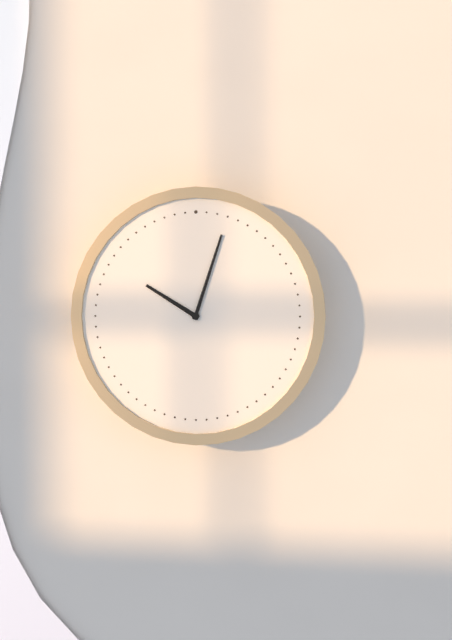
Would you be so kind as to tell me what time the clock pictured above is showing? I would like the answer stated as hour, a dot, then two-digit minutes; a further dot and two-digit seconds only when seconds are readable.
10.03
